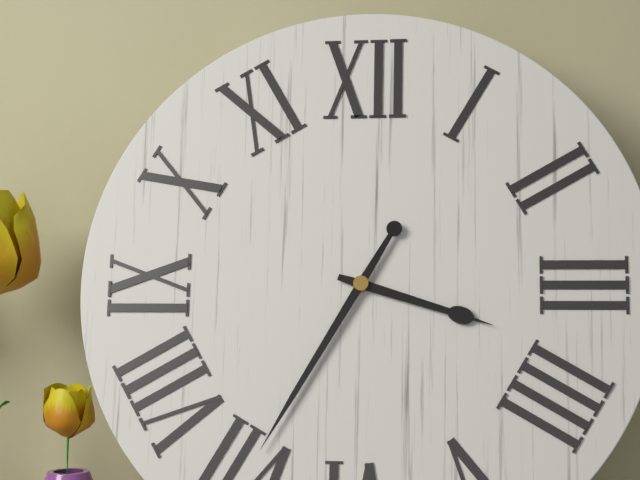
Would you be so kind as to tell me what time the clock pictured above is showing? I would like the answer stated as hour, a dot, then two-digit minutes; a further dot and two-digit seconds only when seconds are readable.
3.35
